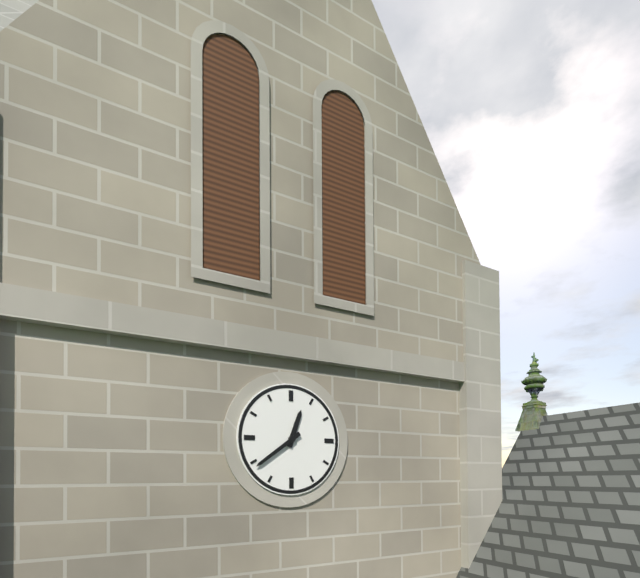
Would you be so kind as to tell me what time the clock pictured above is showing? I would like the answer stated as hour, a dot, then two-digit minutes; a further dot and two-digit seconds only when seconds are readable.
12.39
